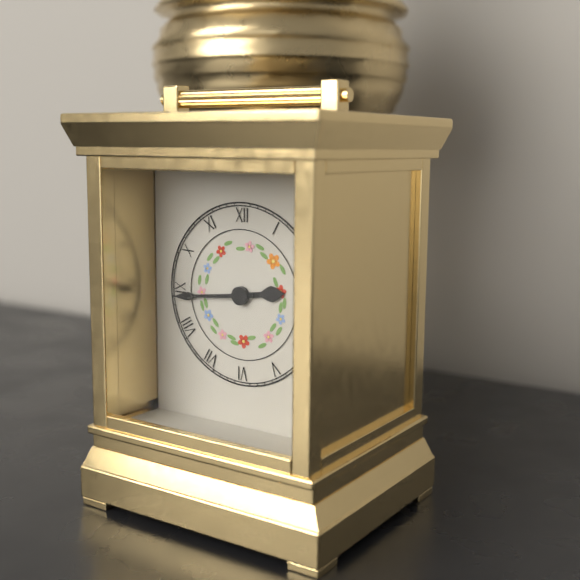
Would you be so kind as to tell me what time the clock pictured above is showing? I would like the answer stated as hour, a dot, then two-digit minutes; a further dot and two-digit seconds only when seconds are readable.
2.44
